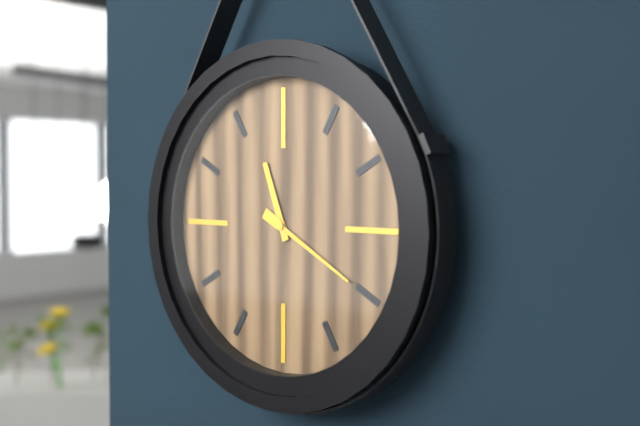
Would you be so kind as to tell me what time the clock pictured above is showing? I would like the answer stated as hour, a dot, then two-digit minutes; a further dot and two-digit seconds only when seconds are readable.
11.20
